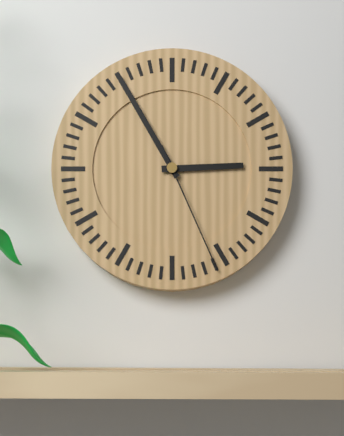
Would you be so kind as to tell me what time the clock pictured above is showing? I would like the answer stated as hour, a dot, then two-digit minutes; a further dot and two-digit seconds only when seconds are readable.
2.55.26
